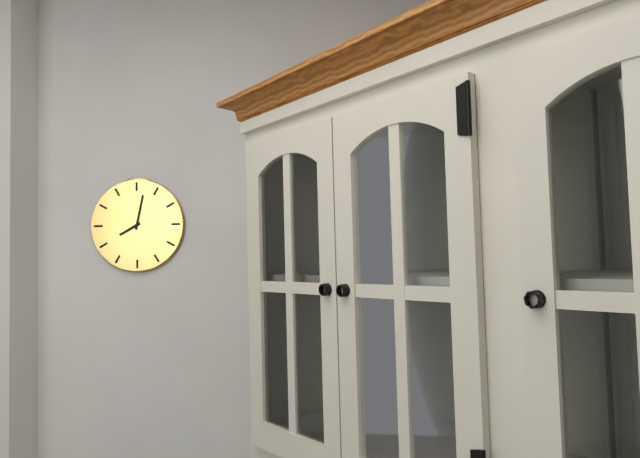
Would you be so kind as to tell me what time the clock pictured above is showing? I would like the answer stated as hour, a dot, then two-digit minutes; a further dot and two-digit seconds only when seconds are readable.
8.02
